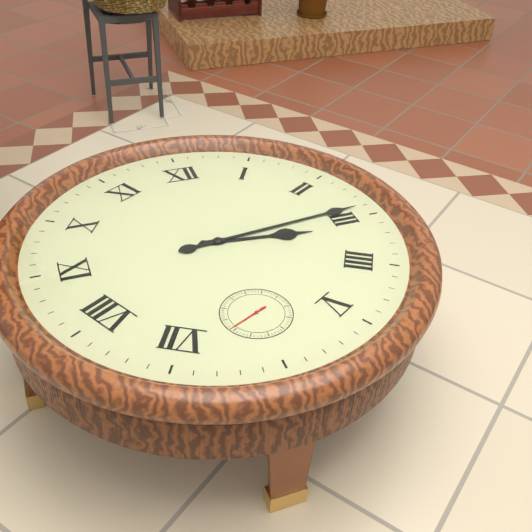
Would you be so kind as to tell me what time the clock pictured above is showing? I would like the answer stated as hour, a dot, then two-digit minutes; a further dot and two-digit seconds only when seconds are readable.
3.14
